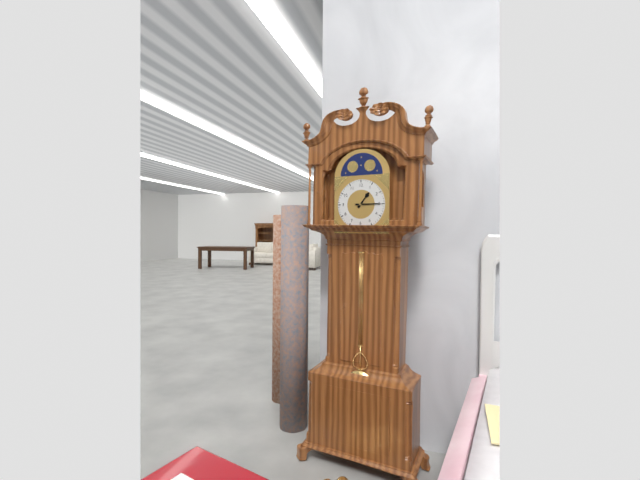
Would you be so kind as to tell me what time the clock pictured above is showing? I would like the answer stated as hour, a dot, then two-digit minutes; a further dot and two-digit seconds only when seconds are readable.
1.15
